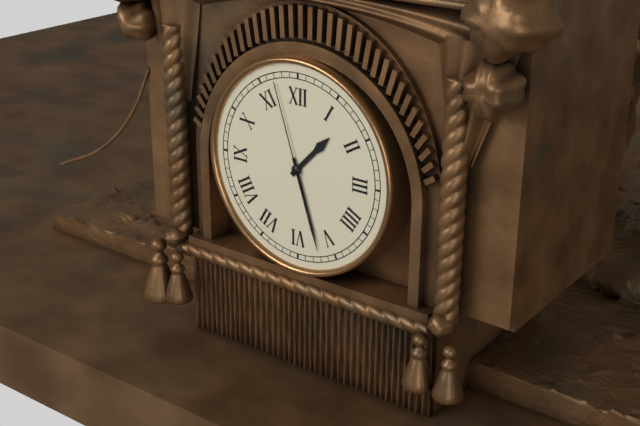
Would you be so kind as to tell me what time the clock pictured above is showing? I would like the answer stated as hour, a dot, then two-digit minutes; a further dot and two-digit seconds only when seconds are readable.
1.27.57
